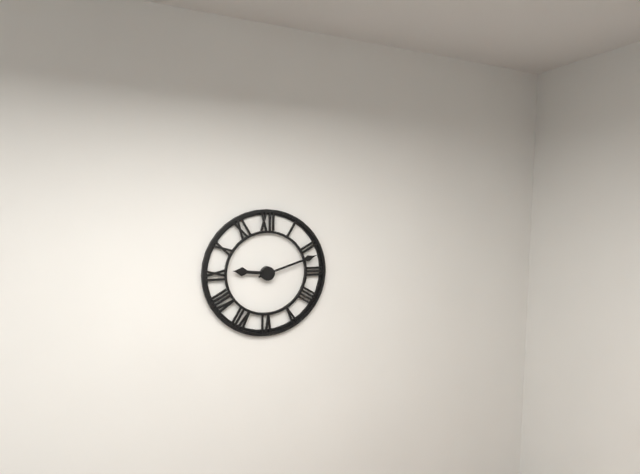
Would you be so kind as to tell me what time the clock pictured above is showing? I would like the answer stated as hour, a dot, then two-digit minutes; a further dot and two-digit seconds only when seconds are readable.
9.12
